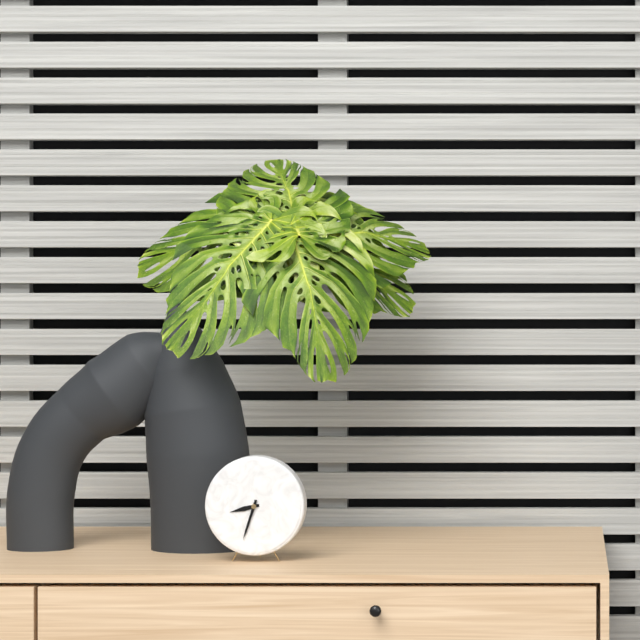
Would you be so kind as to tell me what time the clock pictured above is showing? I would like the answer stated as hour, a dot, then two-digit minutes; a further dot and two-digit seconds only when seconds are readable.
8.33
